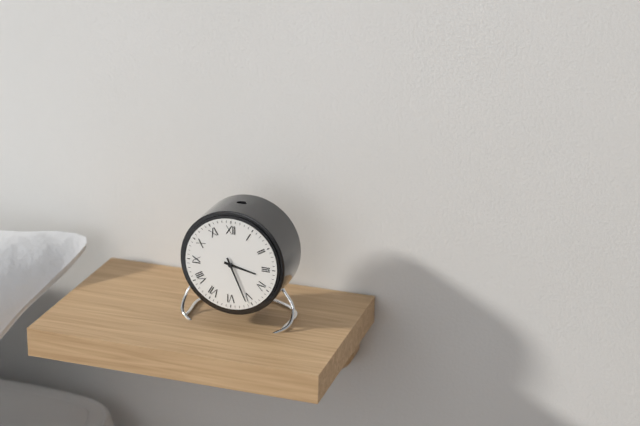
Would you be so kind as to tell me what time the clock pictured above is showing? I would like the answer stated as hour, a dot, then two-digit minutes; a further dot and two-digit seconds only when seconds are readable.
3.26
